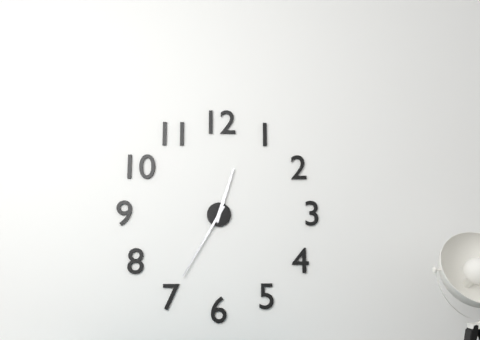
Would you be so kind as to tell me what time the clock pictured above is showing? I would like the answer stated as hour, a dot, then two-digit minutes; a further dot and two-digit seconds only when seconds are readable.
12.35
